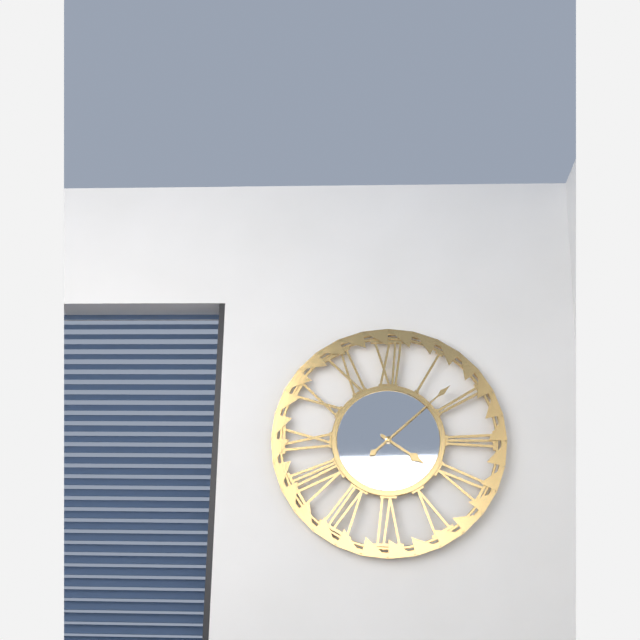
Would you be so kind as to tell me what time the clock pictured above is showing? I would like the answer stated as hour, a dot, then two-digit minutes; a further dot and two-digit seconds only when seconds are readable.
4.08
